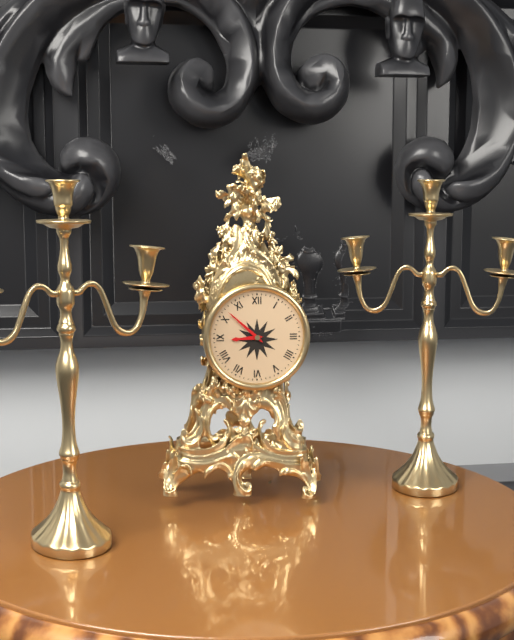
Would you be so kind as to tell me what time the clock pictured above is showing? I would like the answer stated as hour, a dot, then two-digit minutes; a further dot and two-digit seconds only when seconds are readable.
8.52
